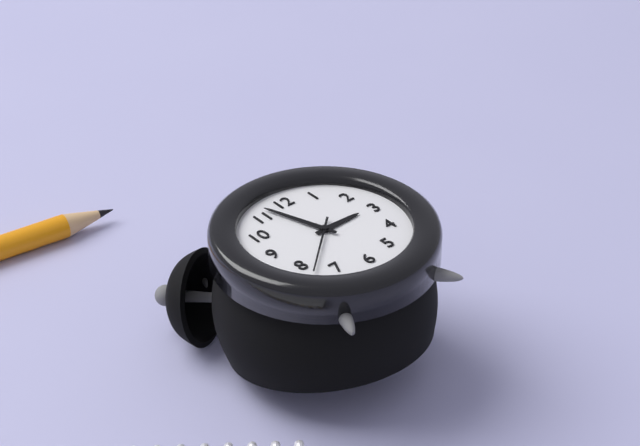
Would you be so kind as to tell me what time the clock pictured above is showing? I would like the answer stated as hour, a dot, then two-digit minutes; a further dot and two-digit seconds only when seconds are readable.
2.57.38
